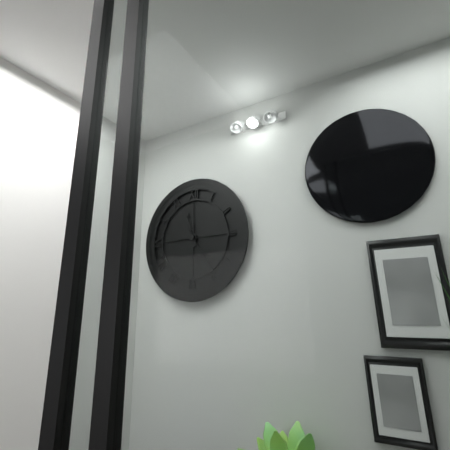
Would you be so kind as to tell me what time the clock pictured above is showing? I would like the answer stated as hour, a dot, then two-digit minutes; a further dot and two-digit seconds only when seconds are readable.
11.24
